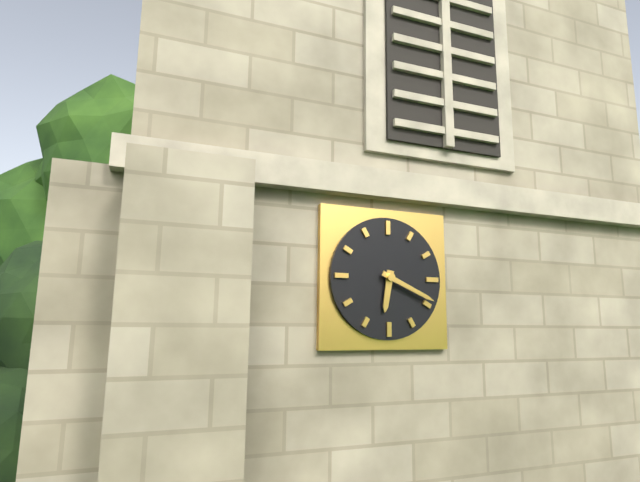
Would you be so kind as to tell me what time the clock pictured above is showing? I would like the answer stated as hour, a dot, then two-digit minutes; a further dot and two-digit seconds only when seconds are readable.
6.19
